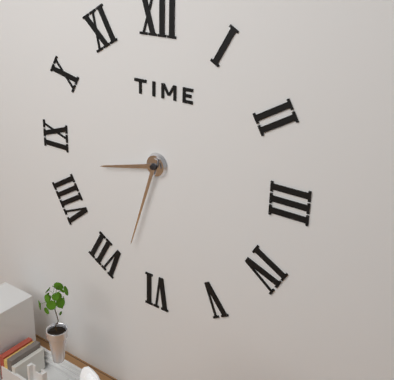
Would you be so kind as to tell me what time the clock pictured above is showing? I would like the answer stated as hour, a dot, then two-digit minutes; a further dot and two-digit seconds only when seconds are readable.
8.33
